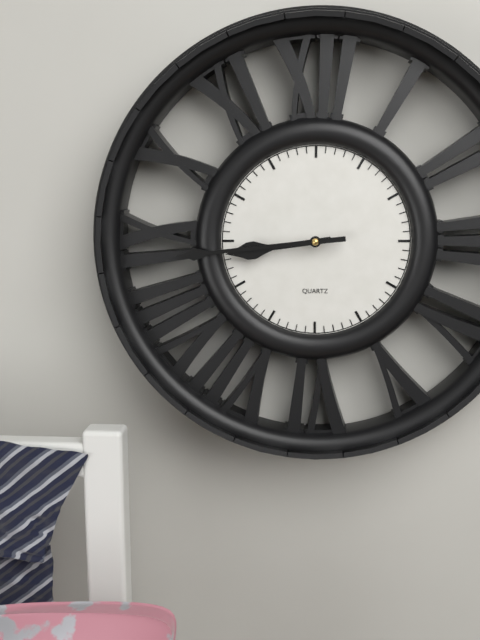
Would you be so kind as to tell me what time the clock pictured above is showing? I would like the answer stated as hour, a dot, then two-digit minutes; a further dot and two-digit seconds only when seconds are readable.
8.44
